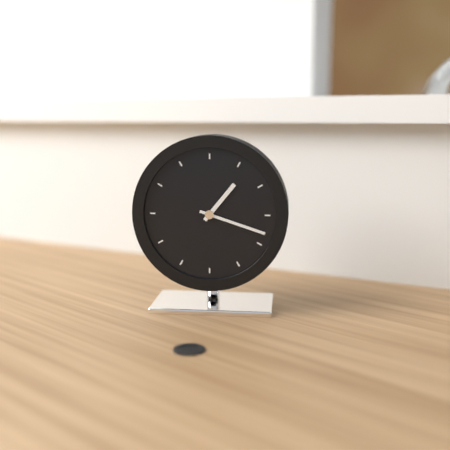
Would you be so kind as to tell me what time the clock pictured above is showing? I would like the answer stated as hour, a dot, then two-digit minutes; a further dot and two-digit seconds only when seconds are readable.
1.18
